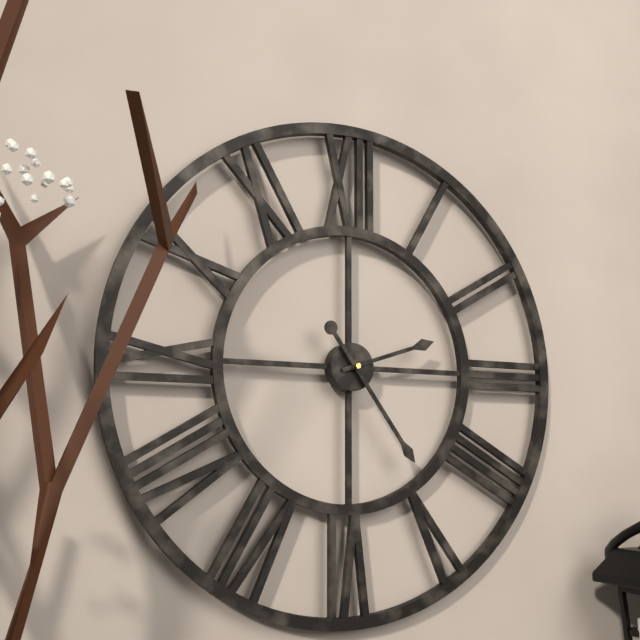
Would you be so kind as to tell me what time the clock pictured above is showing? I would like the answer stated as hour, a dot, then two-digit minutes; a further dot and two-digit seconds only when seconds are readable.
2.24
